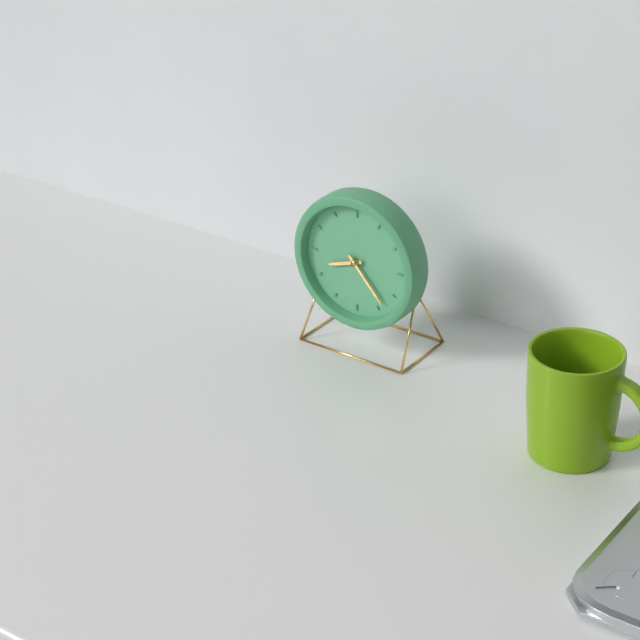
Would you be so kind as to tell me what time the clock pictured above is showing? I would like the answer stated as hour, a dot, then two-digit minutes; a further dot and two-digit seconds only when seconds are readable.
8.23
